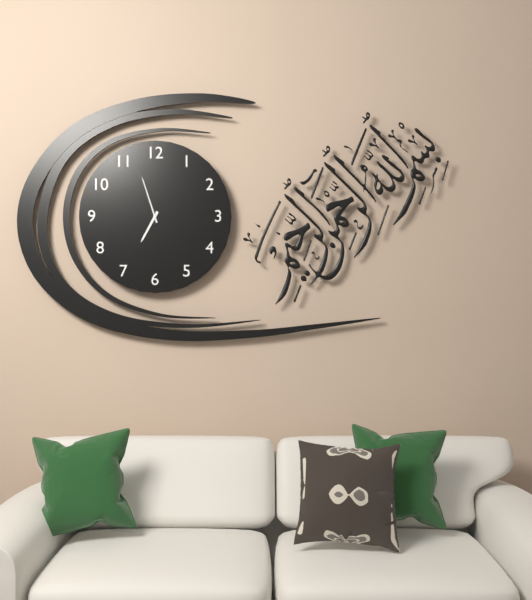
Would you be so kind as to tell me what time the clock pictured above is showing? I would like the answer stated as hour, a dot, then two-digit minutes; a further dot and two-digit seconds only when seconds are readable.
6.57
